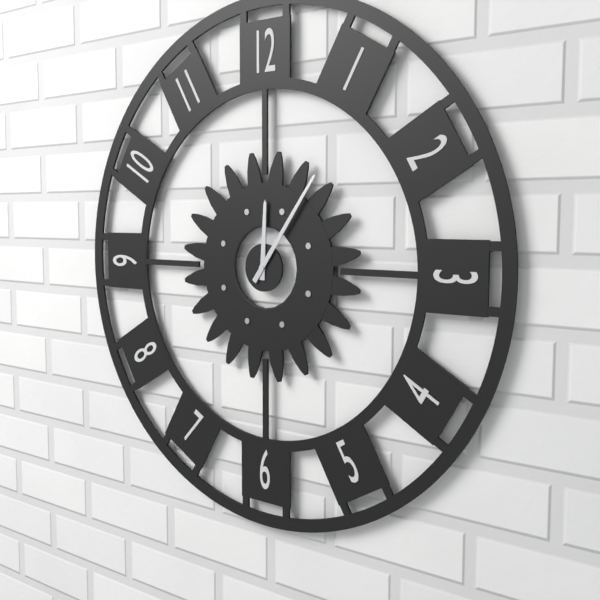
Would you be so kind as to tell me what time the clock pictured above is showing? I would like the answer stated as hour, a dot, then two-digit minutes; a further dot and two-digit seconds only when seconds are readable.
12.06
